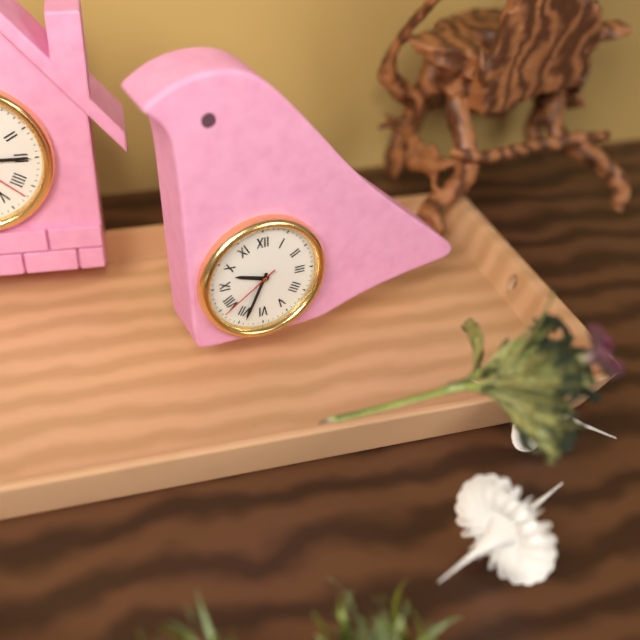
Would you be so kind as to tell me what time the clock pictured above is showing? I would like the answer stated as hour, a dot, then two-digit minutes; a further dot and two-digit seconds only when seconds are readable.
9.34.39
